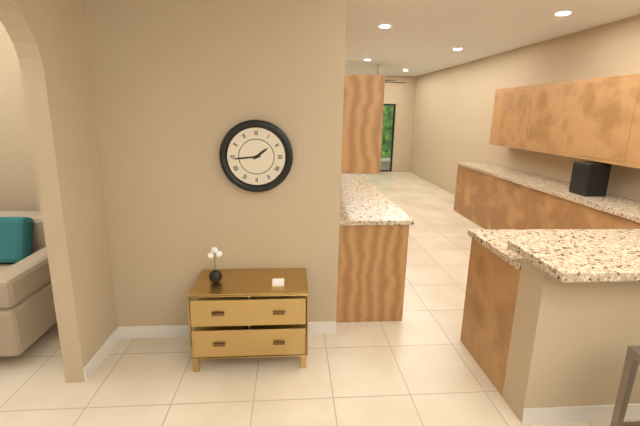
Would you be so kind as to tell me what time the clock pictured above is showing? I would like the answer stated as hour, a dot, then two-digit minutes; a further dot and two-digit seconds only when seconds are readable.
1.44
